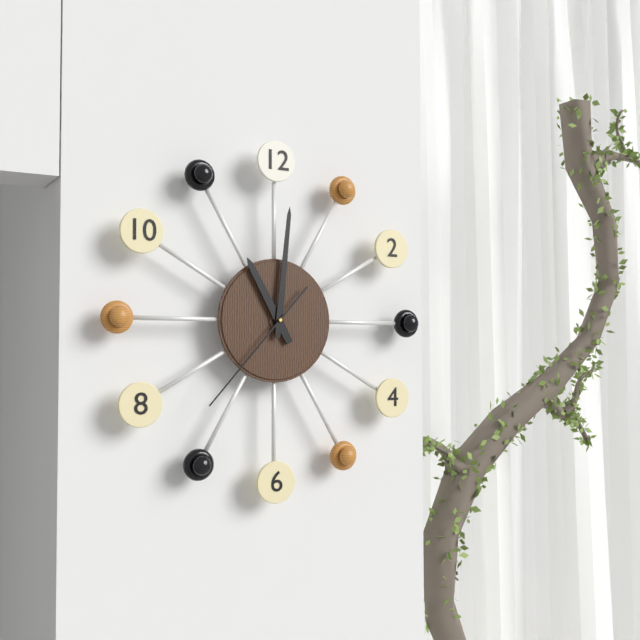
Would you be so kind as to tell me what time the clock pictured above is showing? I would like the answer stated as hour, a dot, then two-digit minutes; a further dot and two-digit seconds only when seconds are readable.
11.01.37
